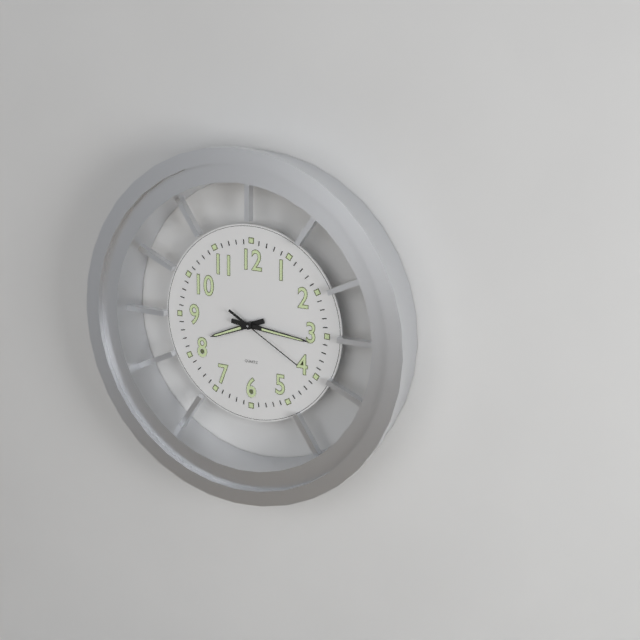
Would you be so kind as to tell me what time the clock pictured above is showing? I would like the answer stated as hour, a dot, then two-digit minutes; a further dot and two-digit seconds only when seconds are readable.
8.16.20
